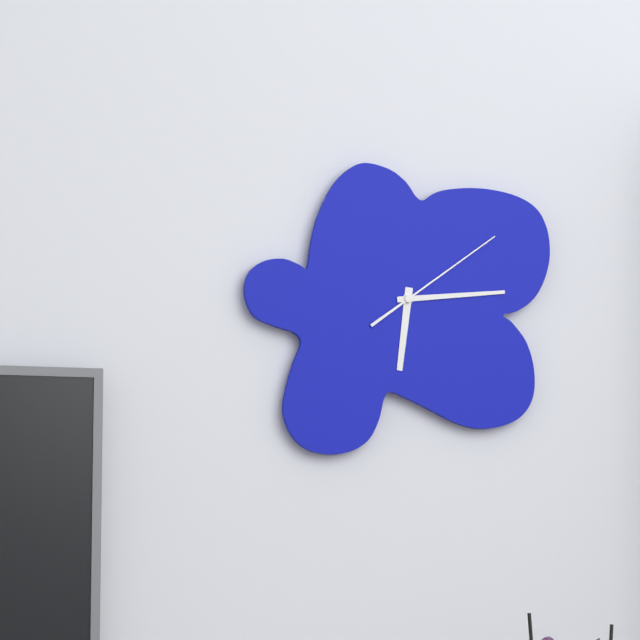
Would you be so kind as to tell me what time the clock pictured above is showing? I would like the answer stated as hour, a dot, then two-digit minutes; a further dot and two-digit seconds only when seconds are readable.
6.14.09
